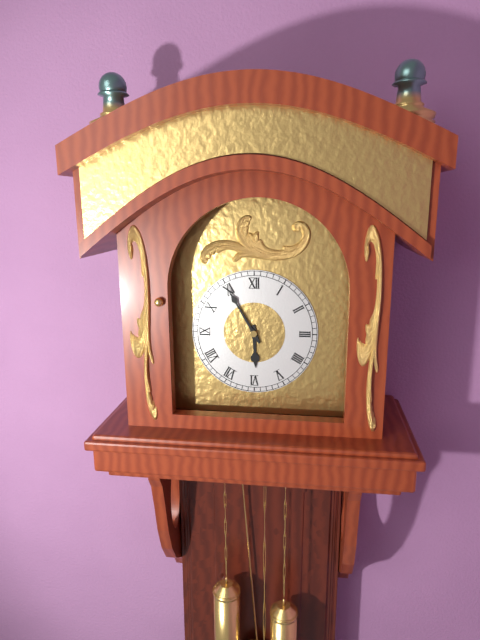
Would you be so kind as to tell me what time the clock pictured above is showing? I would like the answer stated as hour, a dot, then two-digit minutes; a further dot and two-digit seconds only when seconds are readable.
5.55
